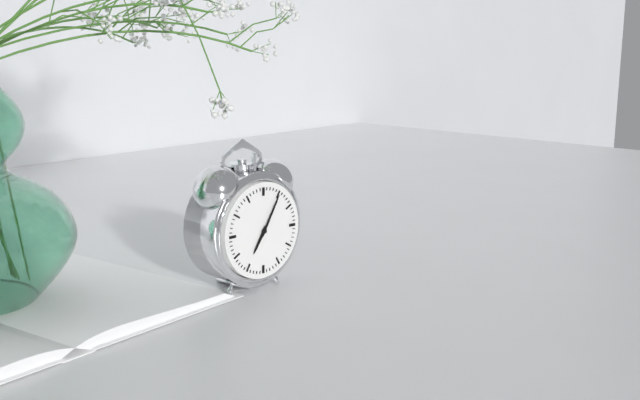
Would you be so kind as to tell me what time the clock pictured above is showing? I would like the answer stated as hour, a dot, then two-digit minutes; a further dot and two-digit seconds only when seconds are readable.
7.05
